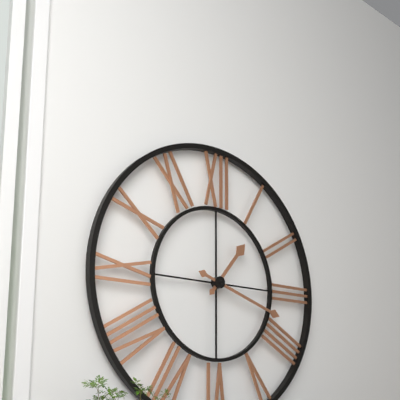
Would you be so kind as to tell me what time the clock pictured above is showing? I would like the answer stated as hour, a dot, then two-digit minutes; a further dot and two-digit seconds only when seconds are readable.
1.18
